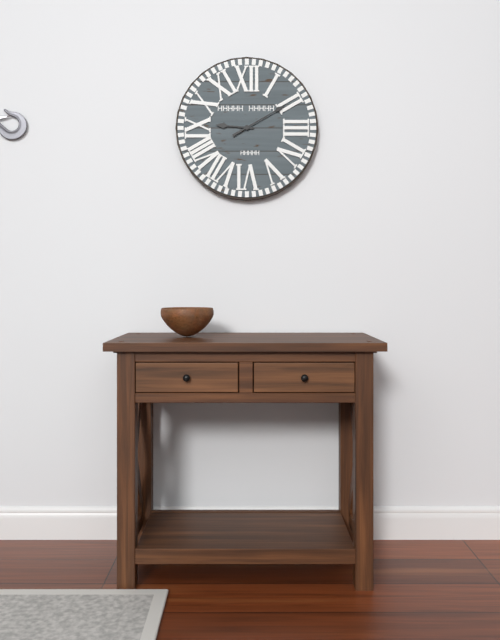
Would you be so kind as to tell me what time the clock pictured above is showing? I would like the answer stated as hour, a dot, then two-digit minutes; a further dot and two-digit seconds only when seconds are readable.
9.10
